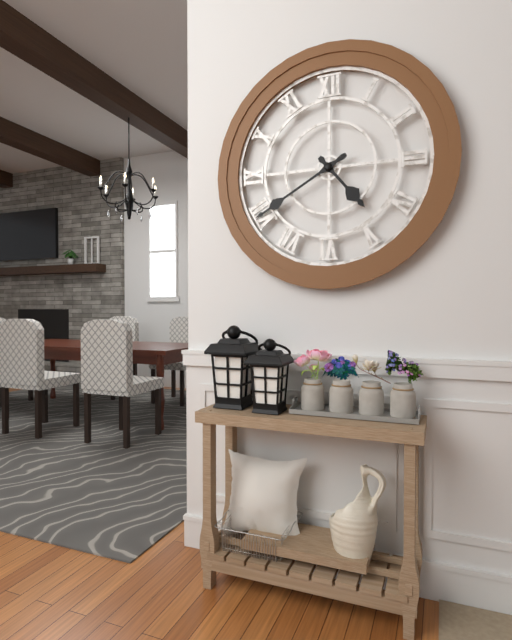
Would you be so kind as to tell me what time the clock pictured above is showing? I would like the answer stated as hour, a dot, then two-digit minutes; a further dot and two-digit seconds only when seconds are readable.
4.40
